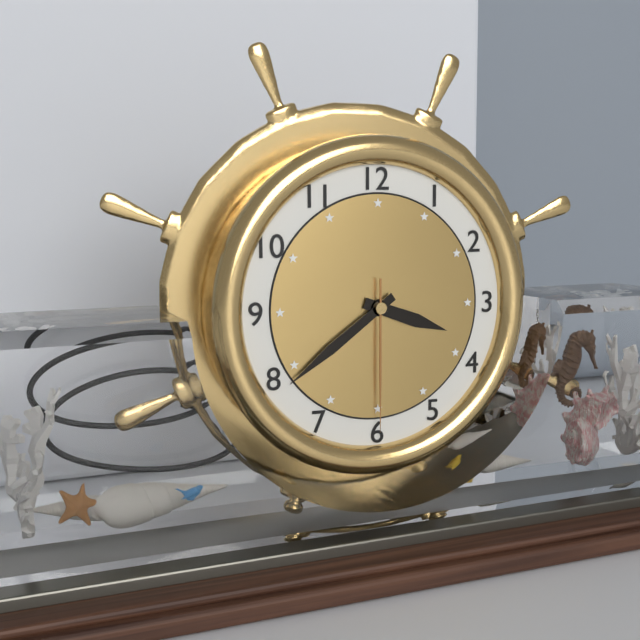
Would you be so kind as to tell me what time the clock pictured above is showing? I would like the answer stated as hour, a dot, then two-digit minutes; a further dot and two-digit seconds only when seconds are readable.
3.39.30
